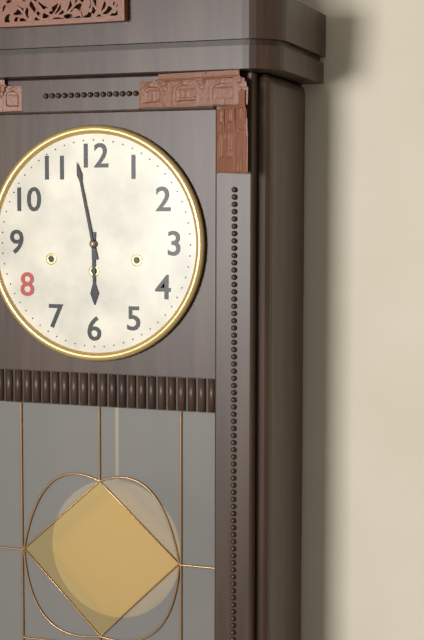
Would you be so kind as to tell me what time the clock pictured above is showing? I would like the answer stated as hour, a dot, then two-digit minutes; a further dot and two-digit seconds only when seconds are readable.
5.58
